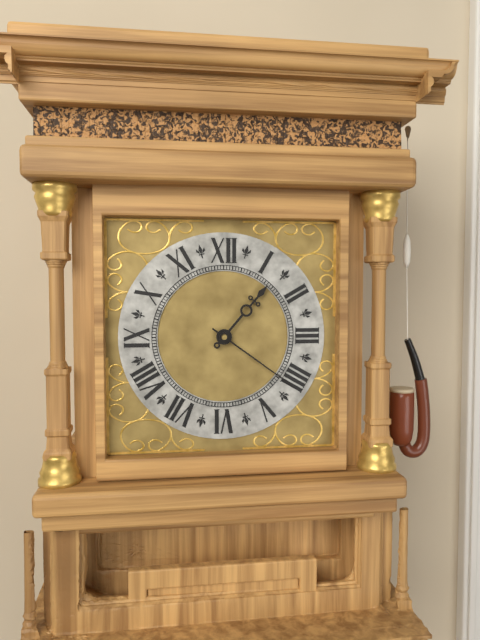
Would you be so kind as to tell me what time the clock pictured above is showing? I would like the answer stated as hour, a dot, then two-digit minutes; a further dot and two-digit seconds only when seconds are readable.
1.21
